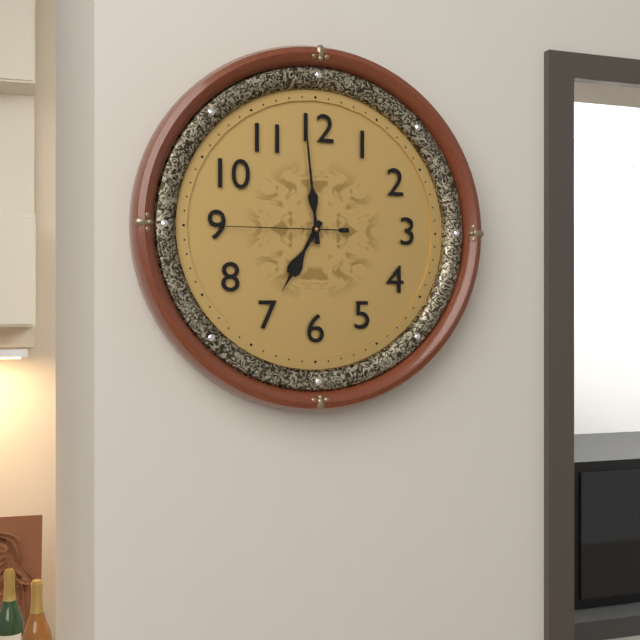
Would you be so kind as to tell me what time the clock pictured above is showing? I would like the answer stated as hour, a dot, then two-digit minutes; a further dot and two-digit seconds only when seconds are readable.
6.59.45
